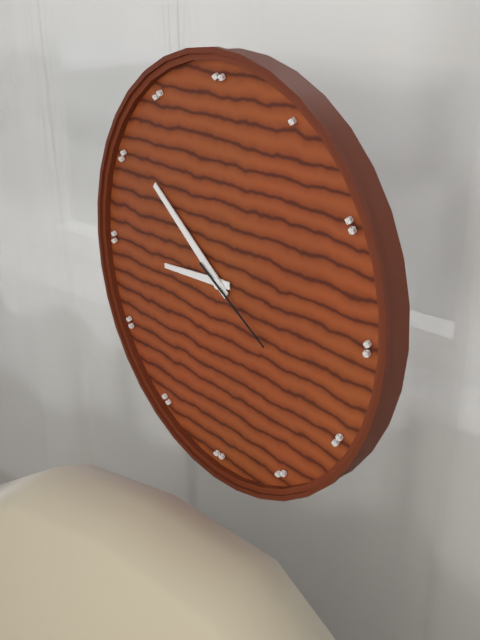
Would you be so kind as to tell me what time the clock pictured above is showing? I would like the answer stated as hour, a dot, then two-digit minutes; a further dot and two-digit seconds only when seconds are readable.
8.51.20
